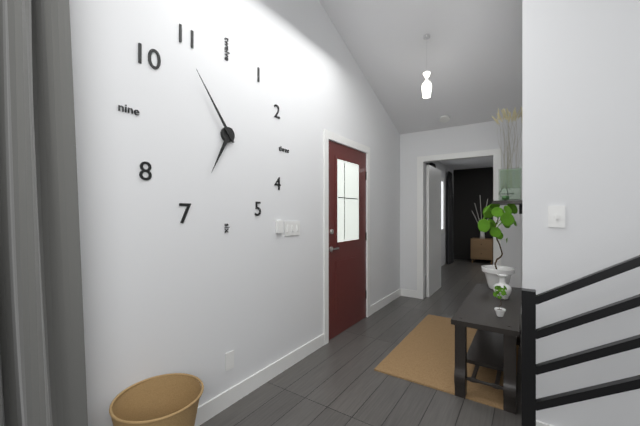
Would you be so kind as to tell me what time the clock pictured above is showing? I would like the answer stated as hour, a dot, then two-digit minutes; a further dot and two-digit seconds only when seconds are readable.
6.54
